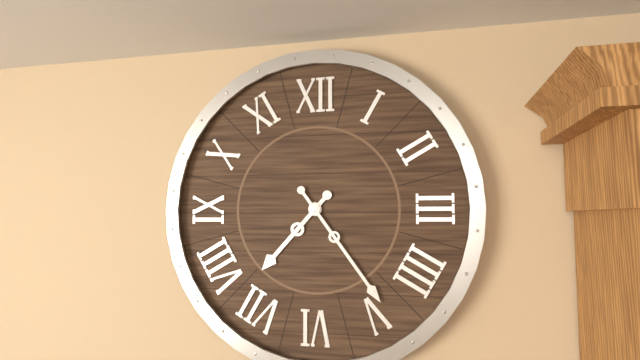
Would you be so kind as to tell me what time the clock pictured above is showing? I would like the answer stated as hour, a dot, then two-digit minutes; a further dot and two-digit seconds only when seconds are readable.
7.24
